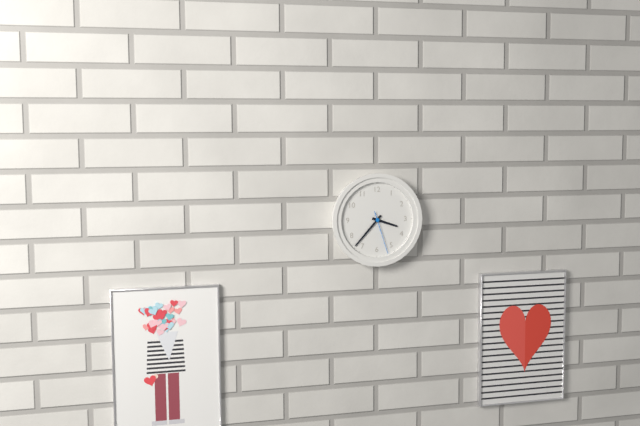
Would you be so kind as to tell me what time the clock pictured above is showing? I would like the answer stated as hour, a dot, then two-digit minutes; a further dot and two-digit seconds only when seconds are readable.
3.37
